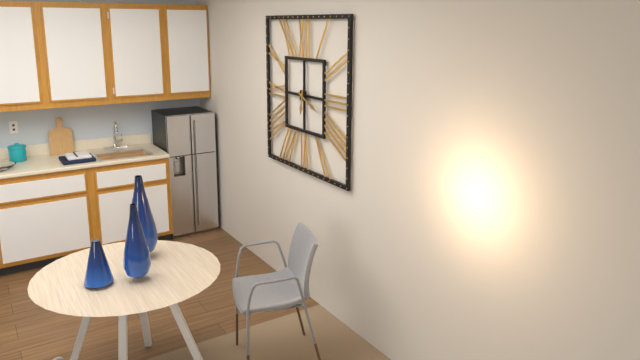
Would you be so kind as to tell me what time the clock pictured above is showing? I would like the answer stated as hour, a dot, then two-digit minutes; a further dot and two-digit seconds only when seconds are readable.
6.19
